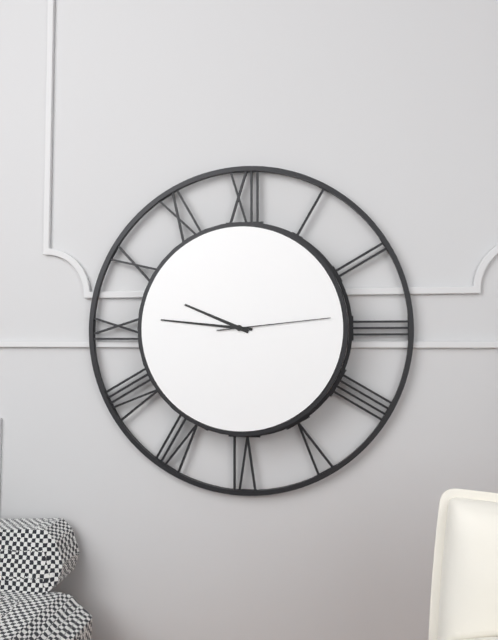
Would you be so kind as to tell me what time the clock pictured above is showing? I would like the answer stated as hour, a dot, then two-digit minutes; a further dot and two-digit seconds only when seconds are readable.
9.46.14
